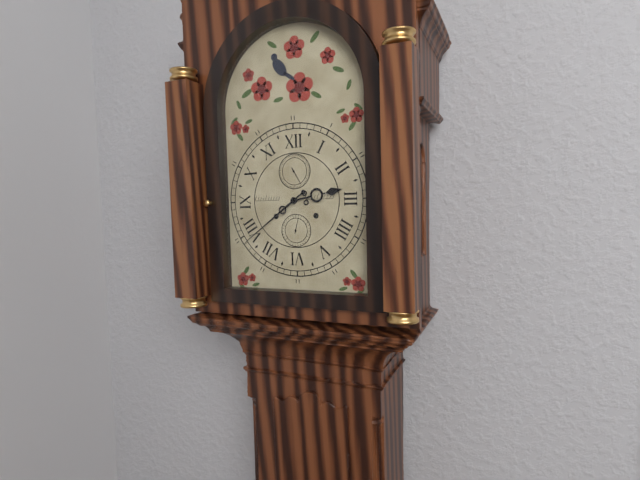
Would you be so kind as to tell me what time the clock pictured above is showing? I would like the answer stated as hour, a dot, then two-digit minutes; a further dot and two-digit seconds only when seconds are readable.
2.39
